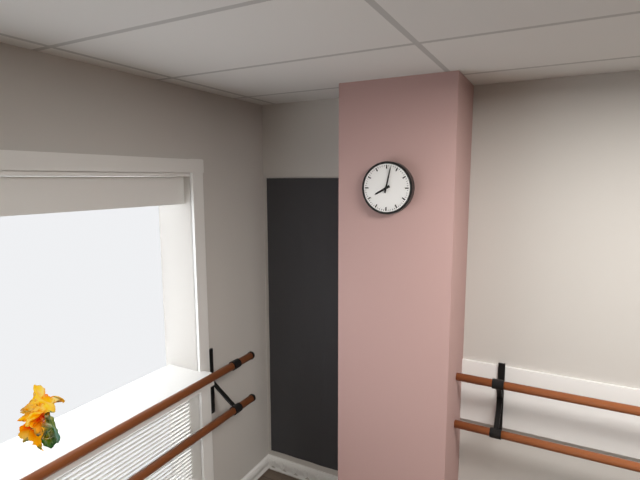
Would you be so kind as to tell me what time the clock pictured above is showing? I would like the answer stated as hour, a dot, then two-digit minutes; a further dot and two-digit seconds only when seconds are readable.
8.02
